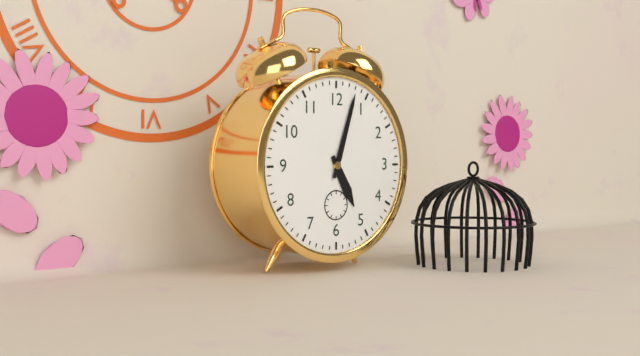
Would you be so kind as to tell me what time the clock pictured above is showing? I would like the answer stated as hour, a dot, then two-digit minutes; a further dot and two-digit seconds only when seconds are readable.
5.03
